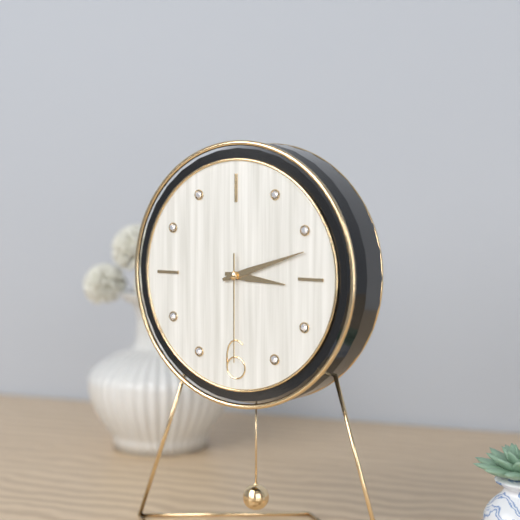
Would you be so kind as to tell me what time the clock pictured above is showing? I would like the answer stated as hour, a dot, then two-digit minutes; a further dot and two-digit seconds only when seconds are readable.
3.12.30
